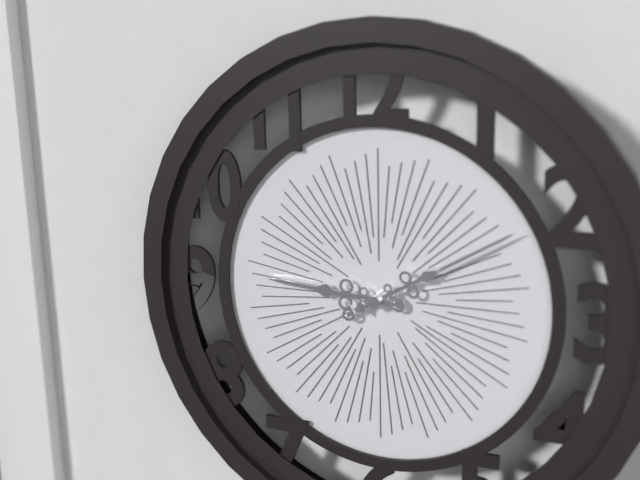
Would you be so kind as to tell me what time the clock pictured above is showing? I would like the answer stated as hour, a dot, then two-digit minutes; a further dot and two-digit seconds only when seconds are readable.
9.10
